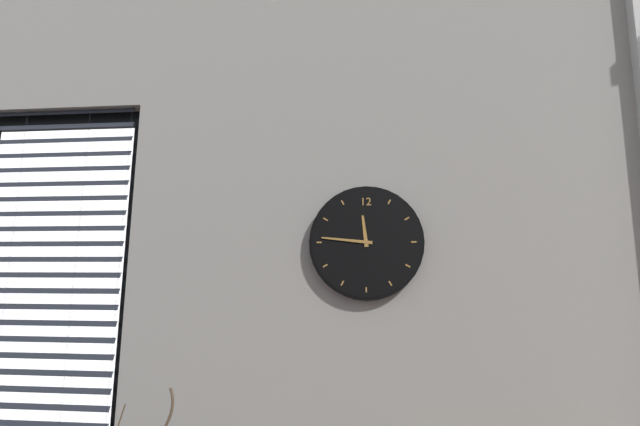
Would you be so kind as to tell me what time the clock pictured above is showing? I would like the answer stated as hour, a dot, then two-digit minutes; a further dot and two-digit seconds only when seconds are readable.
11.46
